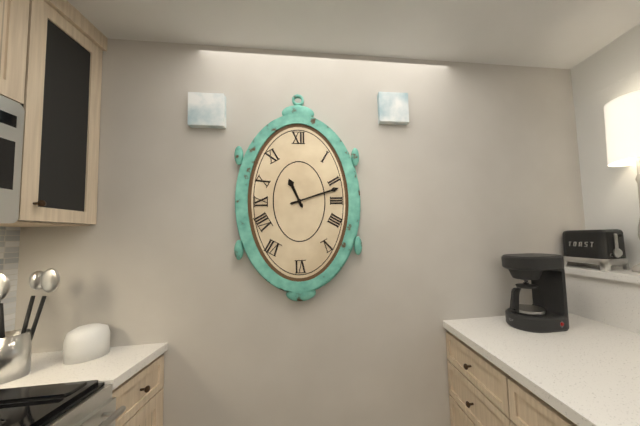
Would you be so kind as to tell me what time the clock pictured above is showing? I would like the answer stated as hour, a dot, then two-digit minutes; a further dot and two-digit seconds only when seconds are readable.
11.12
